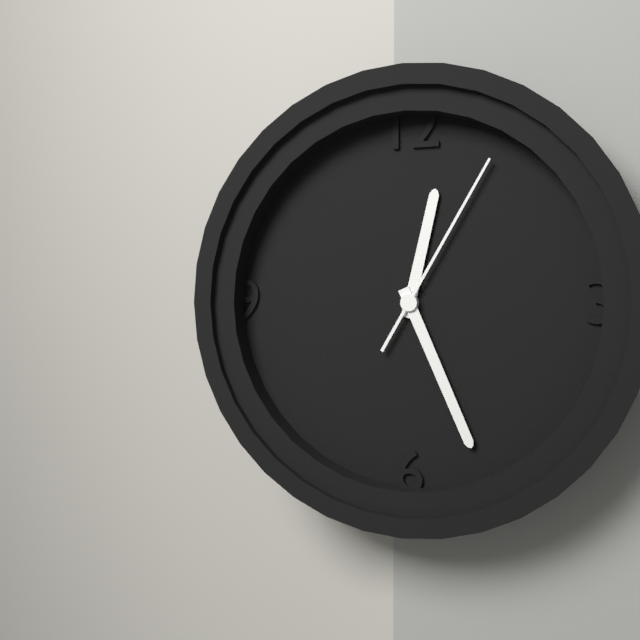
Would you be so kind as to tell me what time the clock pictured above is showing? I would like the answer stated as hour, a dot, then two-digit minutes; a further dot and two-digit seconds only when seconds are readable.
12.26.05
